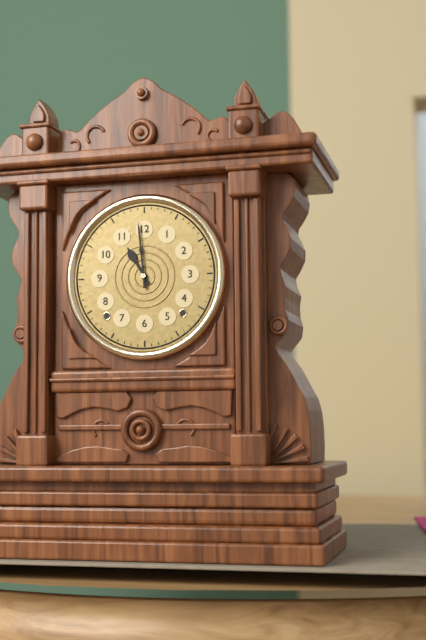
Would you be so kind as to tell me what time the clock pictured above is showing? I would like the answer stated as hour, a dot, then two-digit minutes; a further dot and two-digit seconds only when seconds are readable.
10.59
